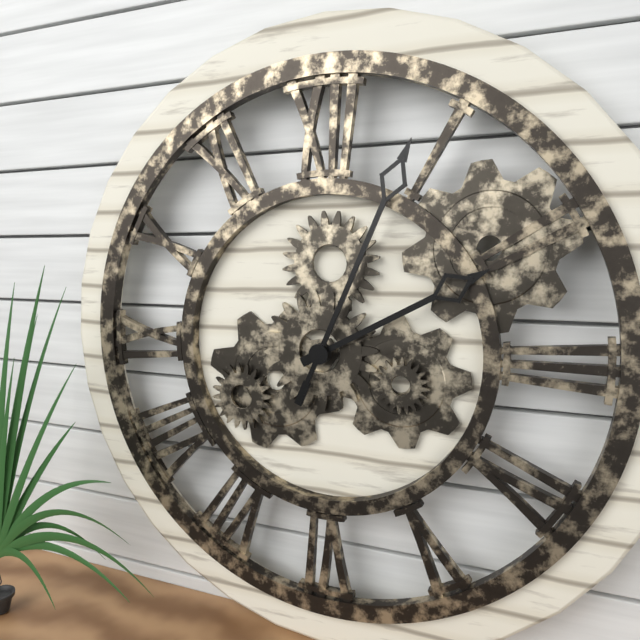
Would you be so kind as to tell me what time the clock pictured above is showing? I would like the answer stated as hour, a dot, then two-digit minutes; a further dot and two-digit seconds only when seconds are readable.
2.04
